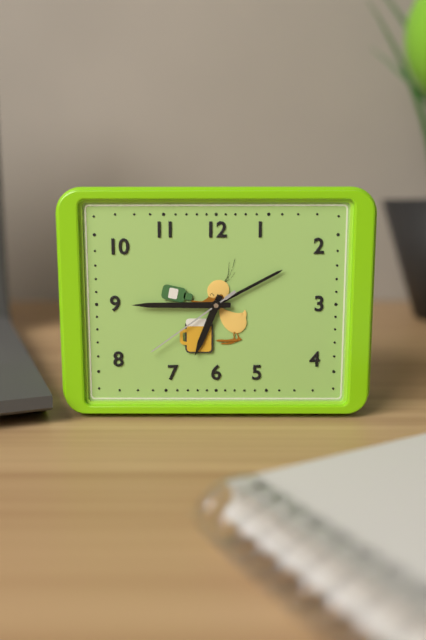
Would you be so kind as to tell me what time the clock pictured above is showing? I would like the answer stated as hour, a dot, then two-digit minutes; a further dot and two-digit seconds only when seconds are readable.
6.45.39
